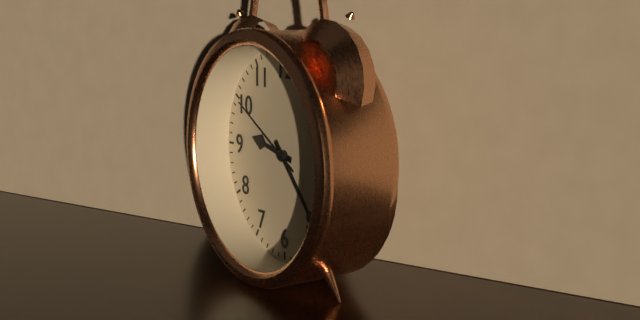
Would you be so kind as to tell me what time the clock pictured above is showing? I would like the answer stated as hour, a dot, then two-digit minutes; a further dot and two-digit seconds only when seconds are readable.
9.23.50
